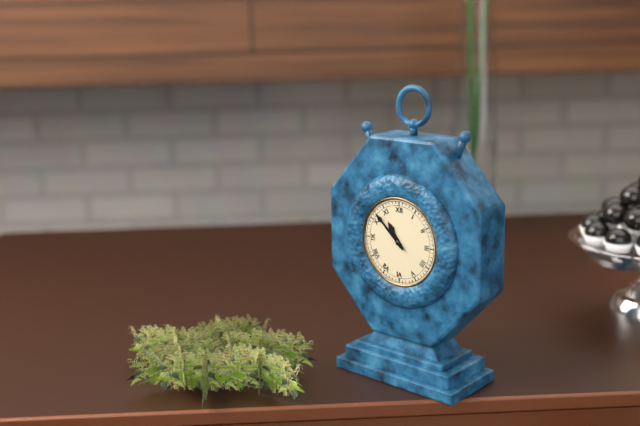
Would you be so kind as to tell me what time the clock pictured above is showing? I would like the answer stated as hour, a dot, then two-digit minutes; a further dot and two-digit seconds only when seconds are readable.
10.52
